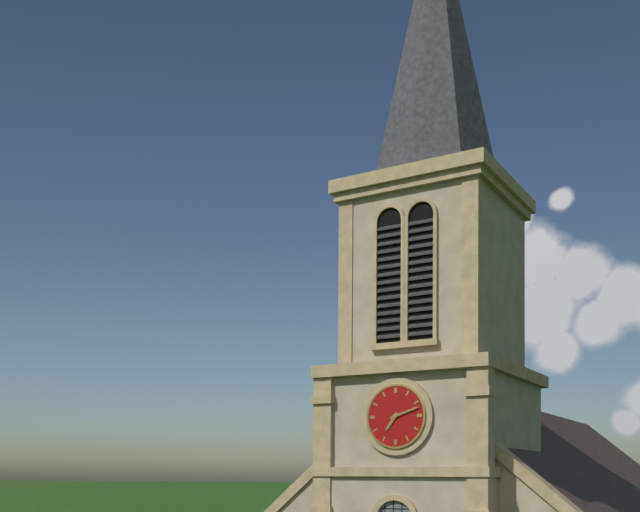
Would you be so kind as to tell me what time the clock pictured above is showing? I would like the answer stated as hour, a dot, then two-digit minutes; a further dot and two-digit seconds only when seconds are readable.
7.12
